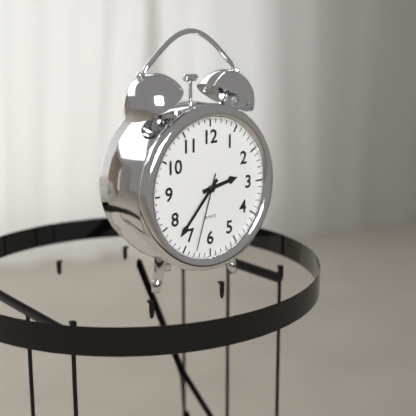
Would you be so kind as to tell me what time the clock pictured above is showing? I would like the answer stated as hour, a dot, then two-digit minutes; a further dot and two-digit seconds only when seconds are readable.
2.37.33
